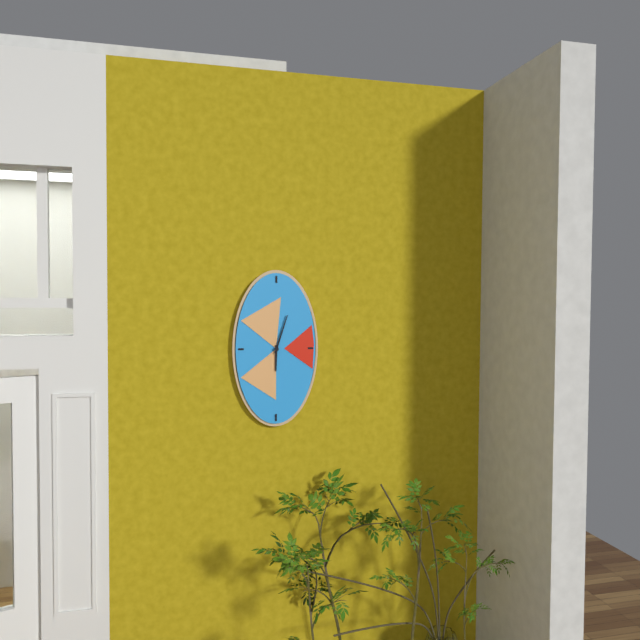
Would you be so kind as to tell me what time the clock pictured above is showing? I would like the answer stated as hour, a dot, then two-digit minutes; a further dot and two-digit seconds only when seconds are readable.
6.03
